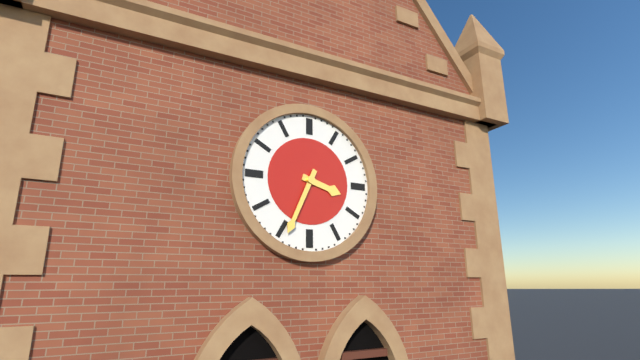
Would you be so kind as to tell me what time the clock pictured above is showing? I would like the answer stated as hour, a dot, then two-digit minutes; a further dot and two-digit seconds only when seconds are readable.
3.34
